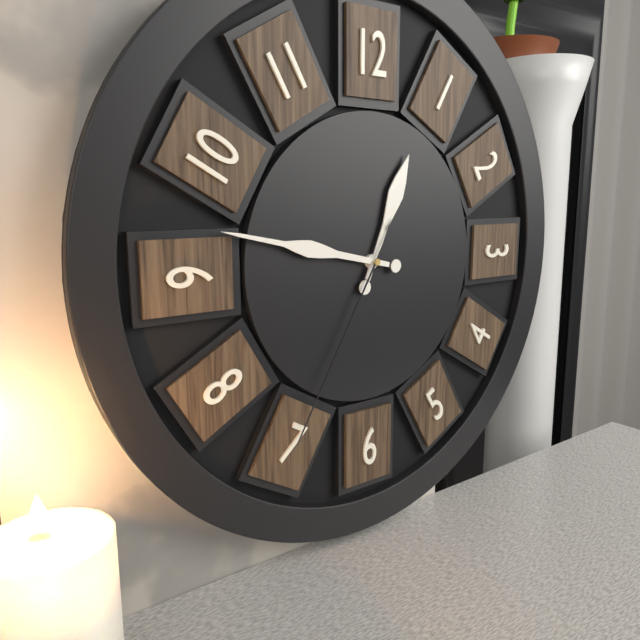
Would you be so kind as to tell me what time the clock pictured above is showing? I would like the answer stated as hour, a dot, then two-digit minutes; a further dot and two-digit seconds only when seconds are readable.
12.47.35
